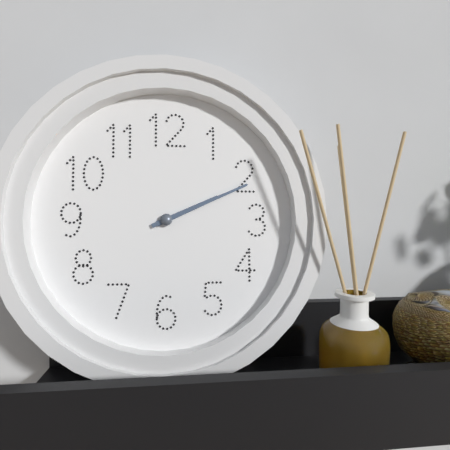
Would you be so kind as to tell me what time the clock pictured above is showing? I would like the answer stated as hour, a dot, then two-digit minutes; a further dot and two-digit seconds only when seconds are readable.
2.11
